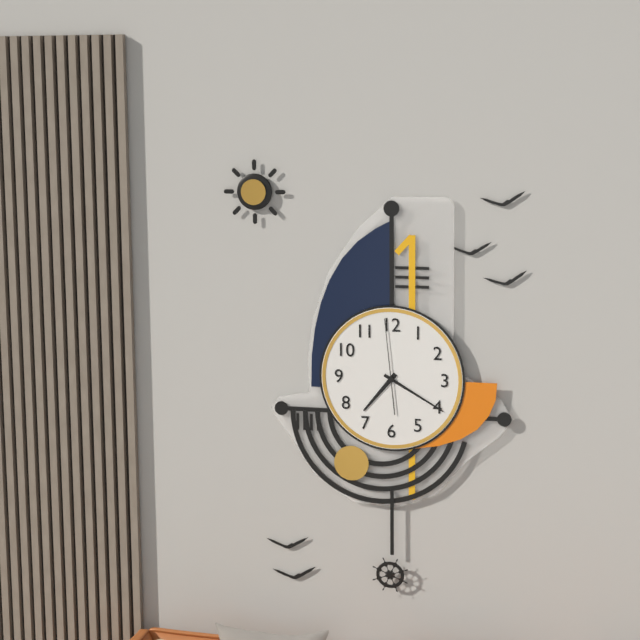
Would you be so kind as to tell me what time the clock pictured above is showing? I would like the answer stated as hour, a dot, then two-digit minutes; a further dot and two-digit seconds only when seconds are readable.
7.20.59
